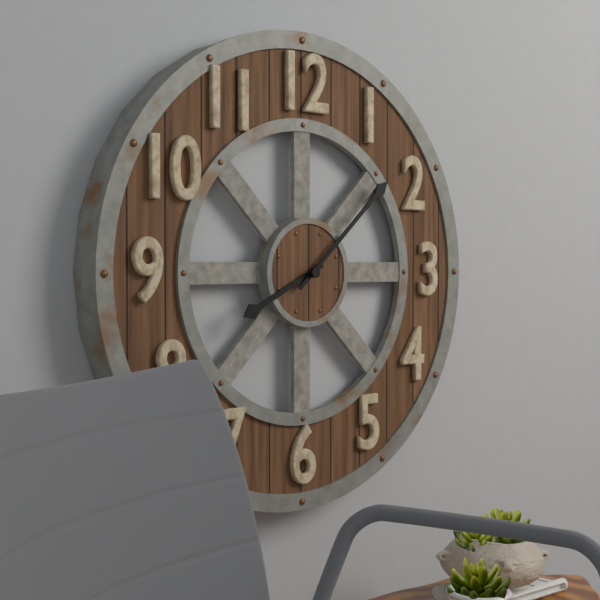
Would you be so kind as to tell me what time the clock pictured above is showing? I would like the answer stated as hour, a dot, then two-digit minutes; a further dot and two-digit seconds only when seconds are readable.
8.08
